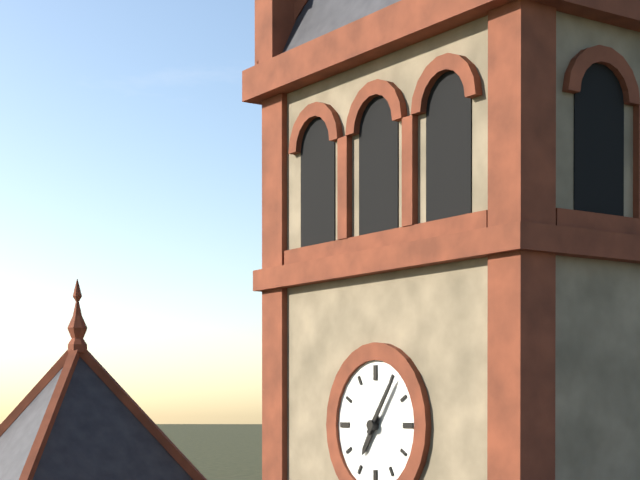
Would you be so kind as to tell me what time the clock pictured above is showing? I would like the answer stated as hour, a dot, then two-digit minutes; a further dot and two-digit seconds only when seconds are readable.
7.06
